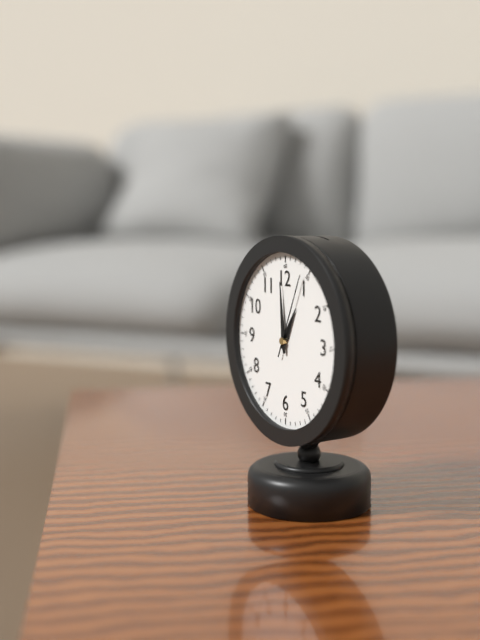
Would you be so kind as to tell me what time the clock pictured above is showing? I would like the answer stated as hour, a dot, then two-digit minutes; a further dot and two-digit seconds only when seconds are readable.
12.59.04
